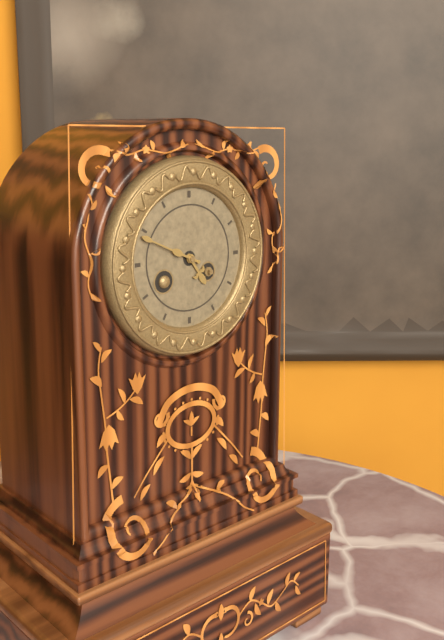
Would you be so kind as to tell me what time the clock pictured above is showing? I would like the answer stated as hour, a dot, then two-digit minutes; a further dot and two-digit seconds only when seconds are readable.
4.49
